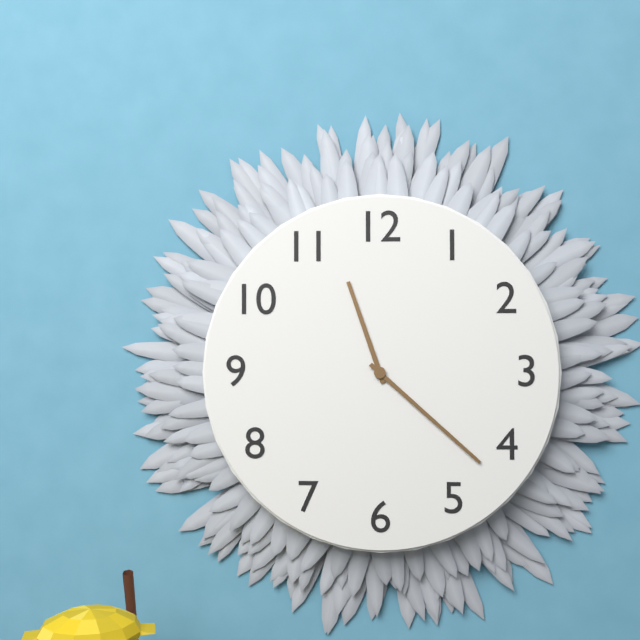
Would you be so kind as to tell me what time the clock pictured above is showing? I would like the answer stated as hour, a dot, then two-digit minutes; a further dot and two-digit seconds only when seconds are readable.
11.22
